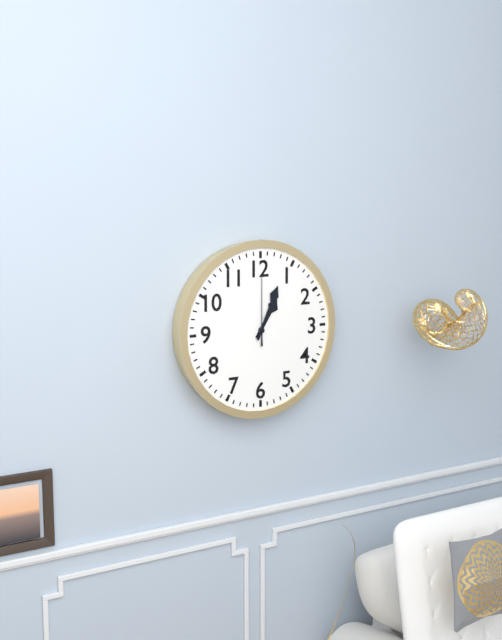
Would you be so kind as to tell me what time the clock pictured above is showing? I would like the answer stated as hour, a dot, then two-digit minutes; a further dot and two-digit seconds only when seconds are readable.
1.04.00
